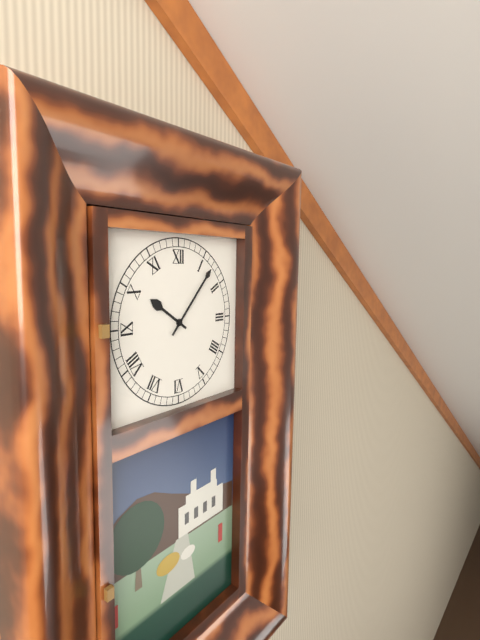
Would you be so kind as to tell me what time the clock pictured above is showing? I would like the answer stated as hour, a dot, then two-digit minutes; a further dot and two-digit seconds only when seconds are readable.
10.07
